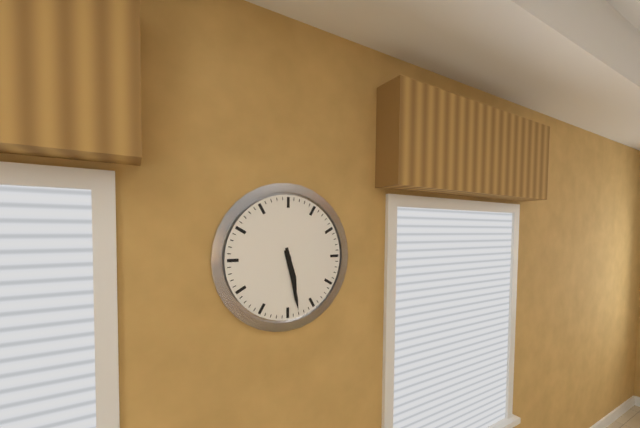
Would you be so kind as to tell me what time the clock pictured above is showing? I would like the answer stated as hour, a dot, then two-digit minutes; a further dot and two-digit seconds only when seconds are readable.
5.28
